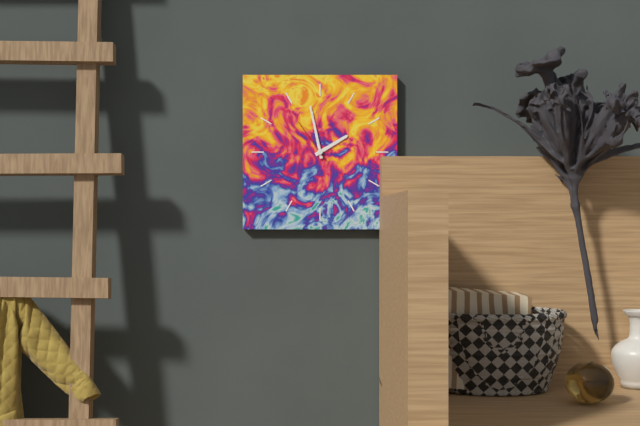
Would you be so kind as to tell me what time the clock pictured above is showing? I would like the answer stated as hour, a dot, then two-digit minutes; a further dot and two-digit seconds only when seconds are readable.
1.58
